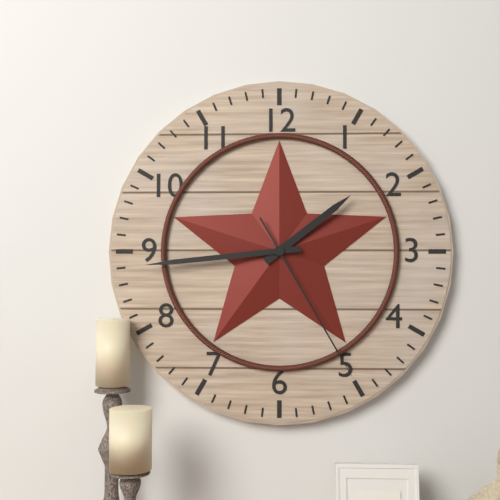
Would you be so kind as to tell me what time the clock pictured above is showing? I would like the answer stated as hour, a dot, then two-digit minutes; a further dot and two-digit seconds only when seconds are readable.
1.44.25
